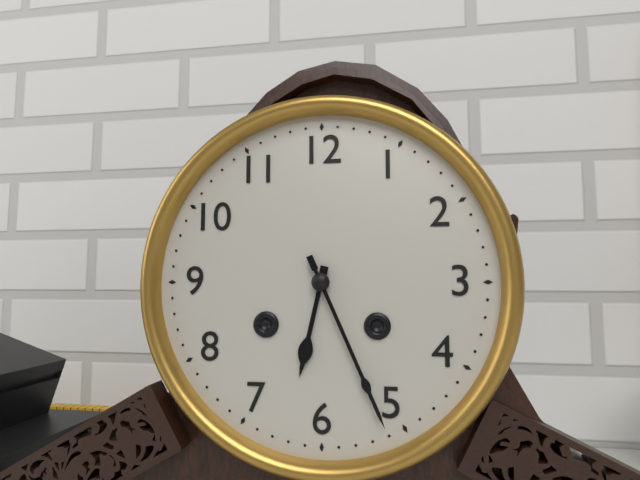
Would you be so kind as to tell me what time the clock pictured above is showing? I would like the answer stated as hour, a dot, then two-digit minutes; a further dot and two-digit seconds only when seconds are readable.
6.26
